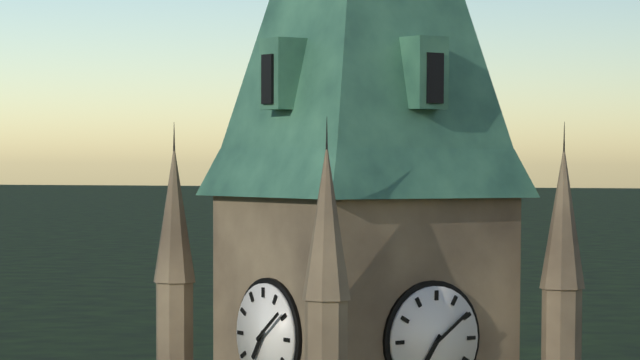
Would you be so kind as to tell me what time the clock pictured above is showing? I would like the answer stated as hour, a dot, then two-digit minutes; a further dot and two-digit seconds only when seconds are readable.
7.09
